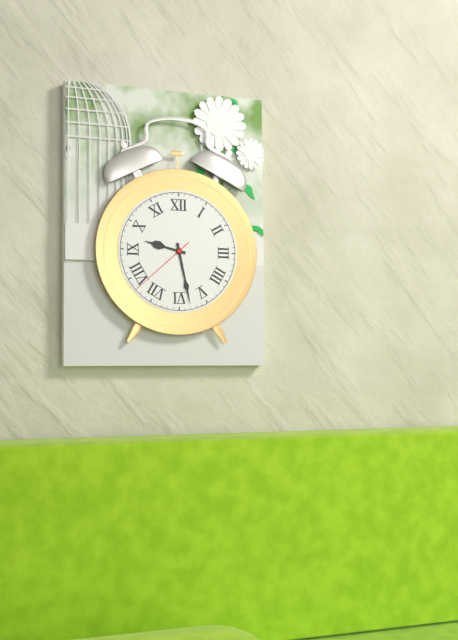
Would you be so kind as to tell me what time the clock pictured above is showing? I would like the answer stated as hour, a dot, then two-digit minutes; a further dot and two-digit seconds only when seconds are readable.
9.28.38
